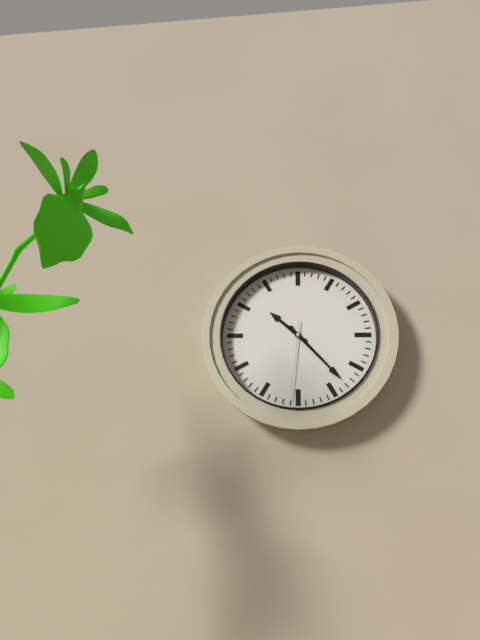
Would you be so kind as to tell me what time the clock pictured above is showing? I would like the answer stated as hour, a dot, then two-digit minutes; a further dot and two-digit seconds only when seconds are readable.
10.23.31
